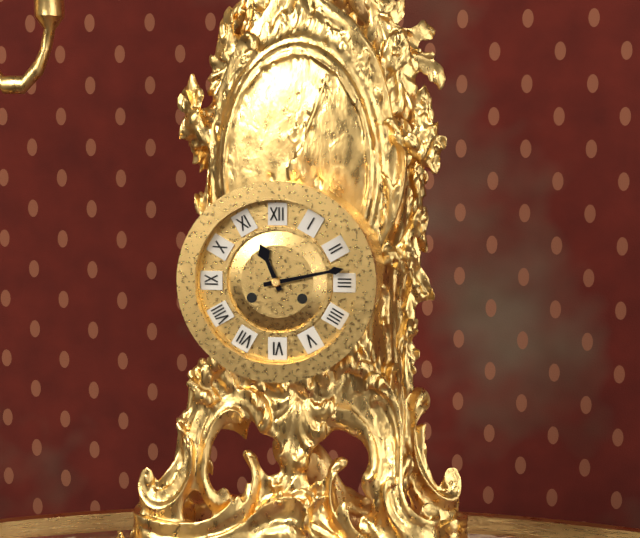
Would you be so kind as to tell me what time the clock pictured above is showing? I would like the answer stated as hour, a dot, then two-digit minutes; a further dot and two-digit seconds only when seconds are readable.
11.13
